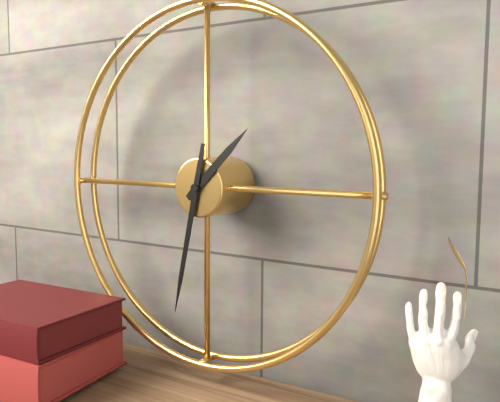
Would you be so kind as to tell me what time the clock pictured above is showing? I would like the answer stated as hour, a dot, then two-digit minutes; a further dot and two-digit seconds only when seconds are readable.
1.32
